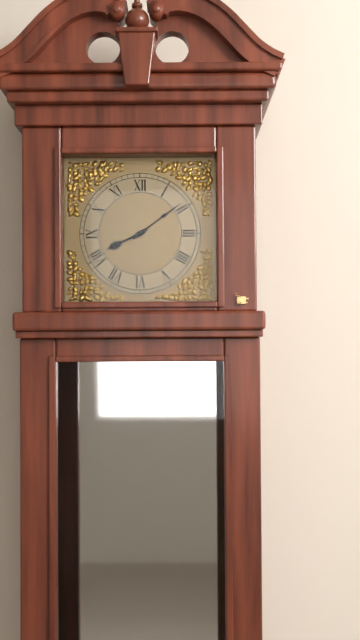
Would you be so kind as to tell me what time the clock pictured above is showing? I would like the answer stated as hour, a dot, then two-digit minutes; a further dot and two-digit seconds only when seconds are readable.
8.09
